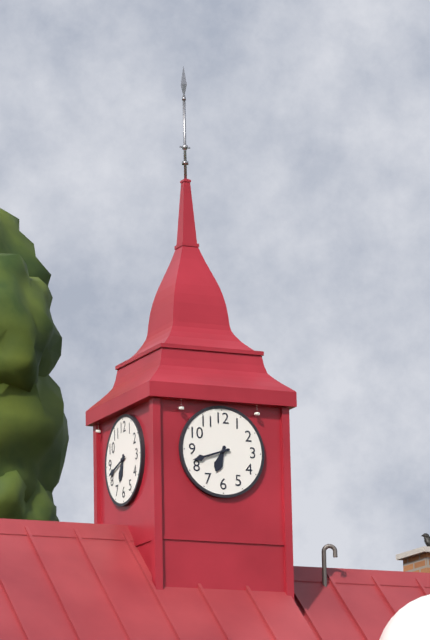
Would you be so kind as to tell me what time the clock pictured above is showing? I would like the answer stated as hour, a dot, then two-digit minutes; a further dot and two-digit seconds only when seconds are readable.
6.42
